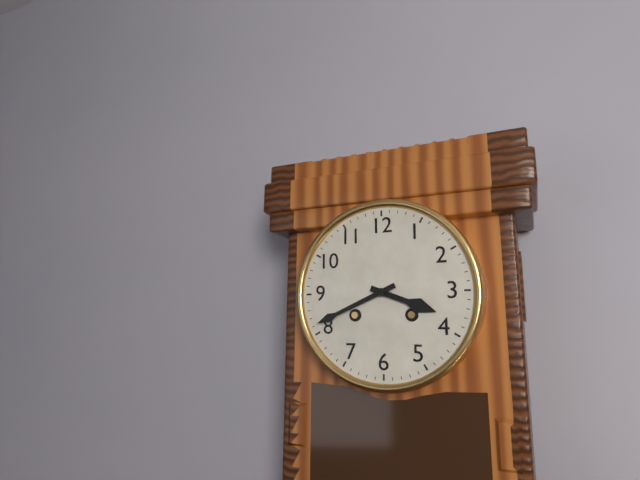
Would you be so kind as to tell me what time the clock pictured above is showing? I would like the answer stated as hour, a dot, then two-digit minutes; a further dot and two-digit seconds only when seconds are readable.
3.41
